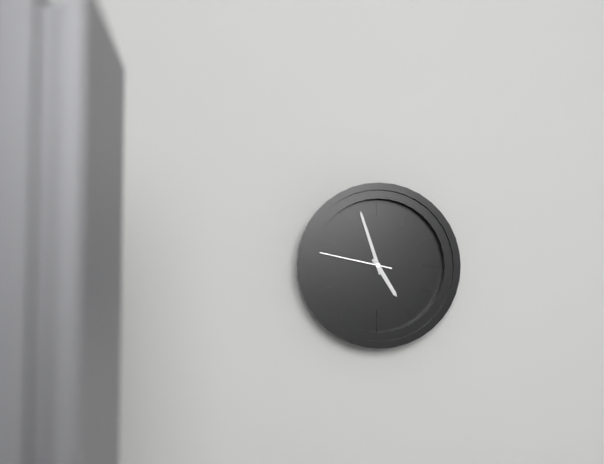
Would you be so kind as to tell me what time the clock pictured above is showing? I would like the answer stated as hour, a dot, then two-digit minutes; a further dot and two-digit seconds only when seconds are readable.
4.57.47
